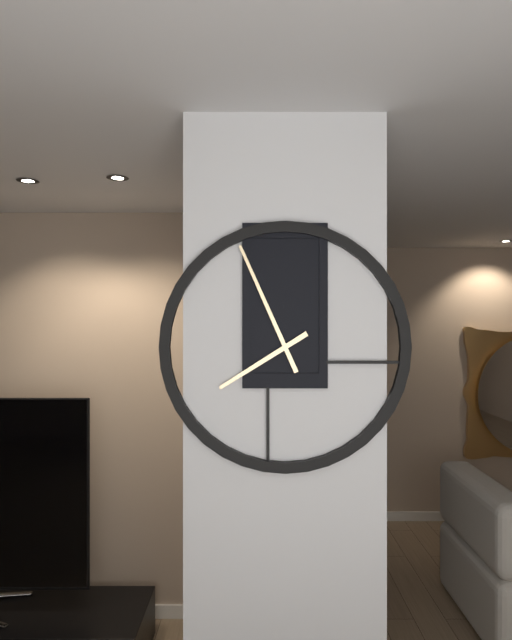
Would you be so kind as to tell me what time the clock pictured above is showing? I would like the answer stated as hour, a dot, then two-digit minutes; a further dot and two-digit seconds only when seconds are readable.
7.56
